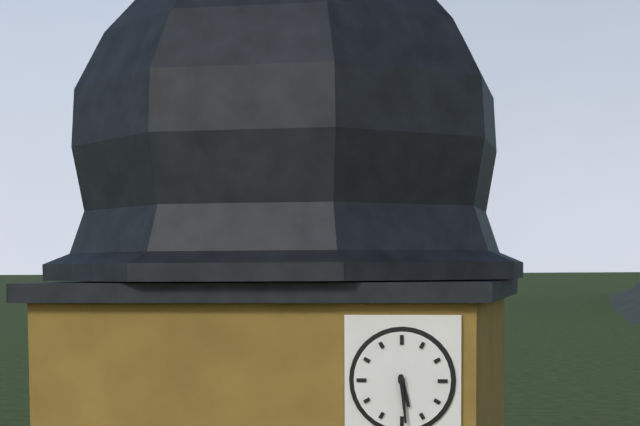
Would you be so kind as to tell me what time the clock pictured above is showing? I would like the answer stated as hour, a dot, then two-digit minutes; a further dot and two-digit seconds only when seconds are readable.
5.29
